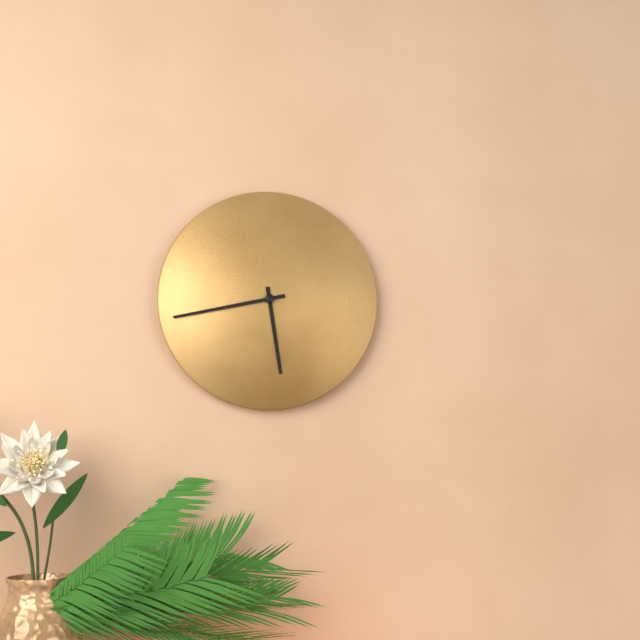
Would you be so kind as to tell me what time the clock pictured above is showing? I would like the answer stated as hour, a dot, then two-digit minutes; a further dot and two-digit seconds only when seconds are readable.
5.43
